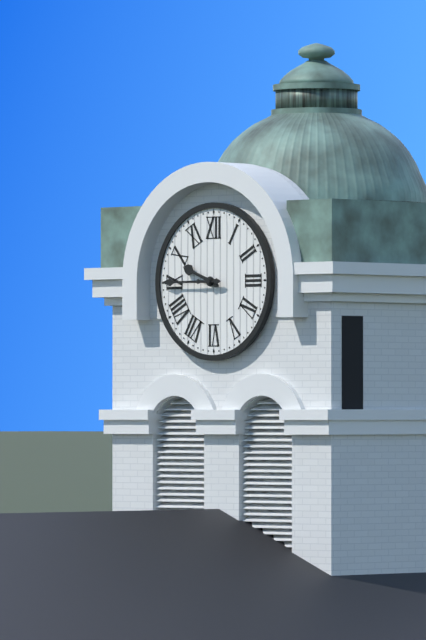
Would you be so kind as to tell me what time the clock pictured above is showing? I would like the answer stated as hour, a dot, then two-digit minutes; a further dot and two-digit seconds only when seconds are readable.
9.45
